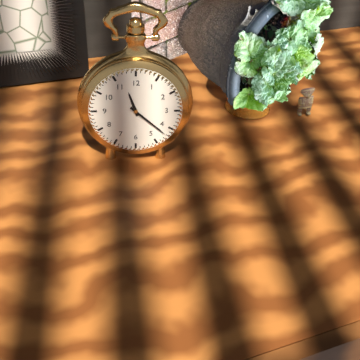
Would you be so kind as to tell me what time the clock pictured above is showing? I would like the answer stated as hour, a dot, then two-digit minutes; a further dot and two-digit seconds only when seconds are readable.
11.22
